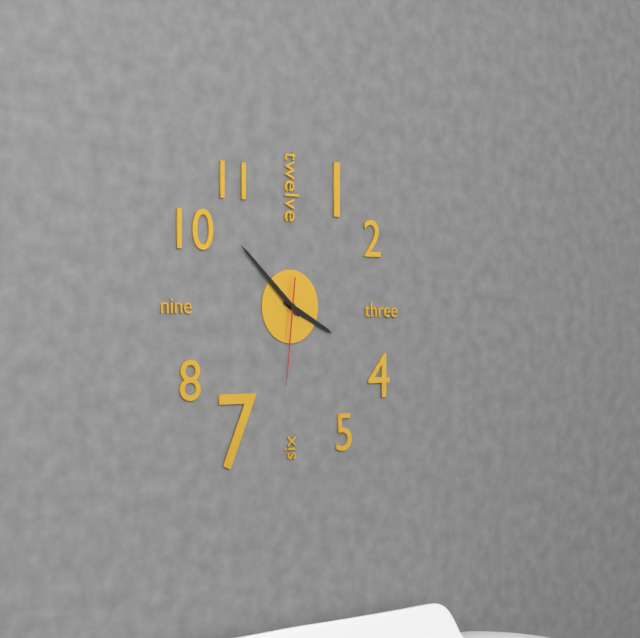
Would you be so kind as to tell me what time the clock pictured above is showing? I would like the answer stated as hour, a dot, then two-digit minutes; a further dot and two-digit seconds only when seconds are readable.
3.52.31
